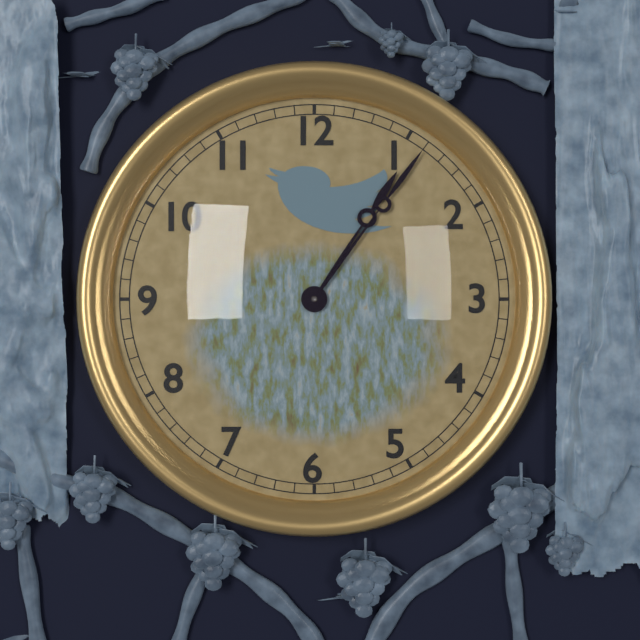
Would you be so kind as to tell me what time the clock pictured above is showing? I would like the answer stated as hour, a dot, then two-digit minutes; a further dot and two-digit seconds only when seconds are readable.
1.06
